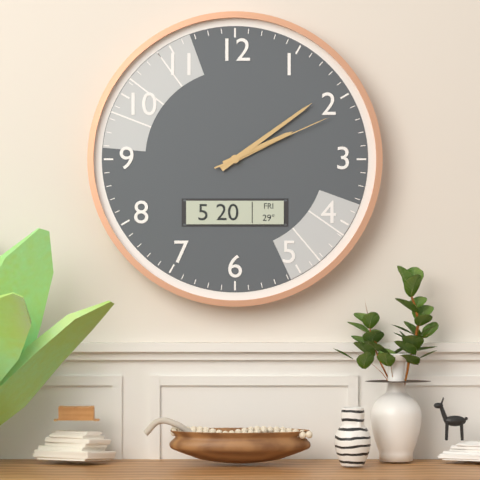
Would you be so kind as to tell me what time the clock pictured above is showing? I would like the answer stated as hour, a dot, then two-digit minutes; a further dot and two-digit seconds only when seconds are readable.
2.09.11
